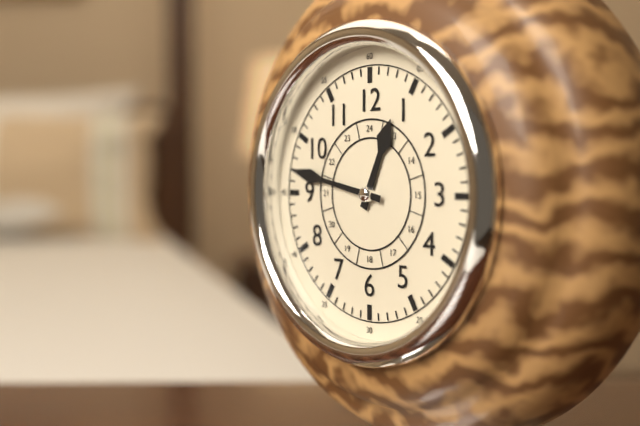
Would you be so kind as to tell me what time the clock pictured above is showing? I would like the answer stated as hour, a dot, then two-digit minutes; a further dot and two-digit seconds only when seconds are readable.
12.47
